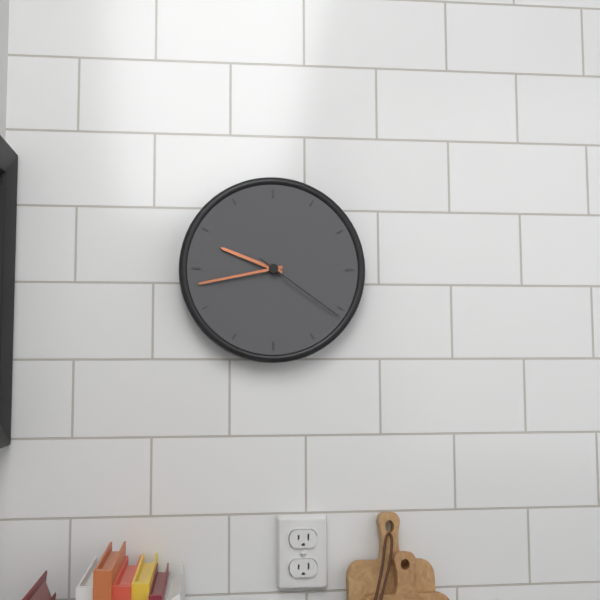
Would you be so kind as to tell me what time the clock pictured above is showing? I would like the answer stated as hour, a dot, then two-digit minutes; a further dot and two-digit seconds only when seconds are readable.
9.43.21
